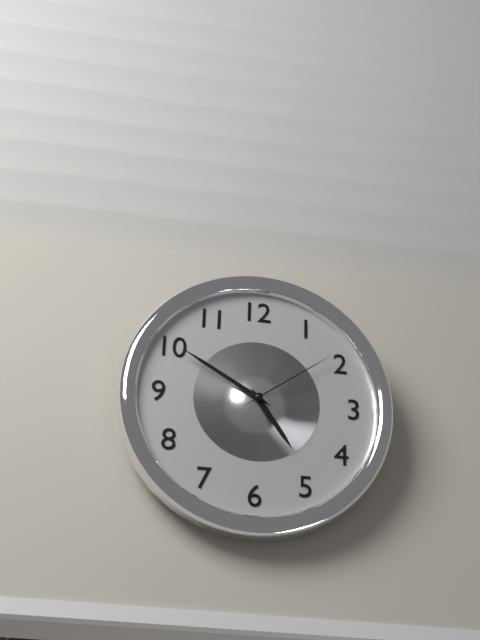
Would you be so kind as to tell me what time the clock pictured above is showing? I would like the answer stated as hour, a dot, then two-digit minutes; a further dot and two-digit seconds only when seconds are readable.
4.50.09
